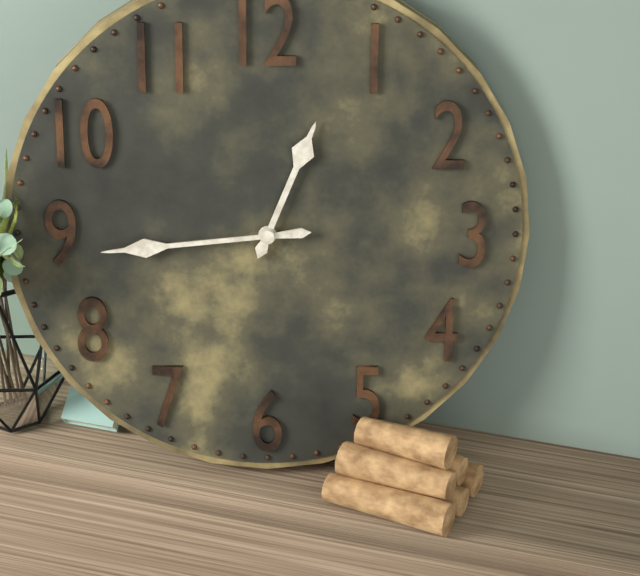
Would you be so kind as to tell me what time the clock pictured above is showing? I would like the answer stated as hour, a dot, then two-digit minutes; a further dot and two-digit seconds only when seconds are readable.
12.44
